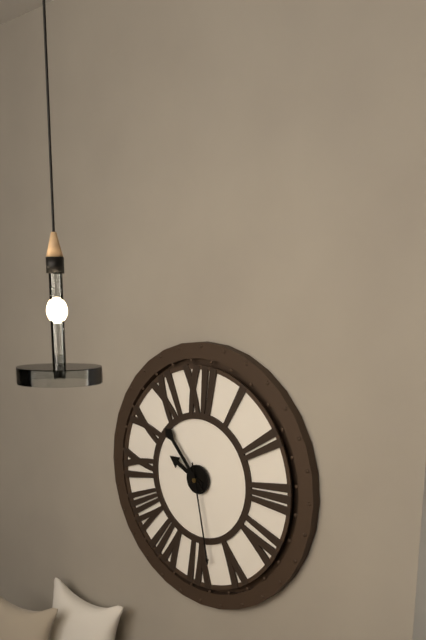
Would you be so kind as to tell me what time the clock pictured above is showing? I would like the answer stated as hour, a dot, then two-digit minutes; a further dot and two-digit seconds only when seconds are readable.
9.53.28
